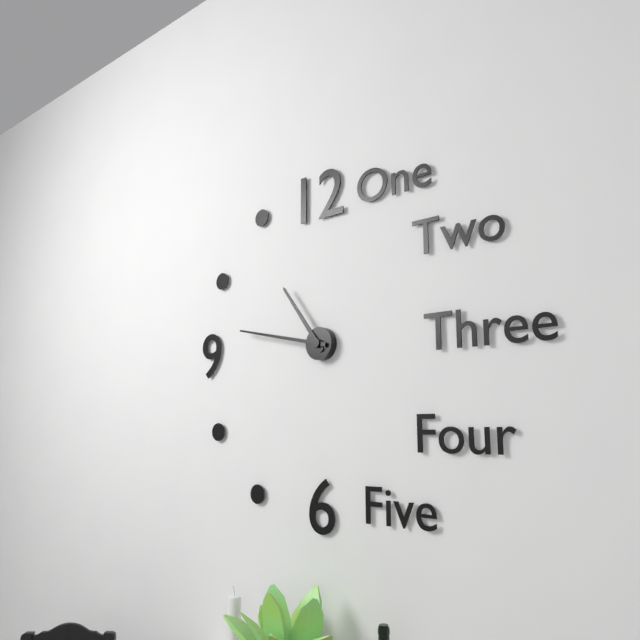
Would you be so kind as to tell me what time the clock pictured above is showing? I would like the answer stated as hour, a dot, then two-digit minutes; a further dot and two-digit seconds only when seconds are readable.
10.47
